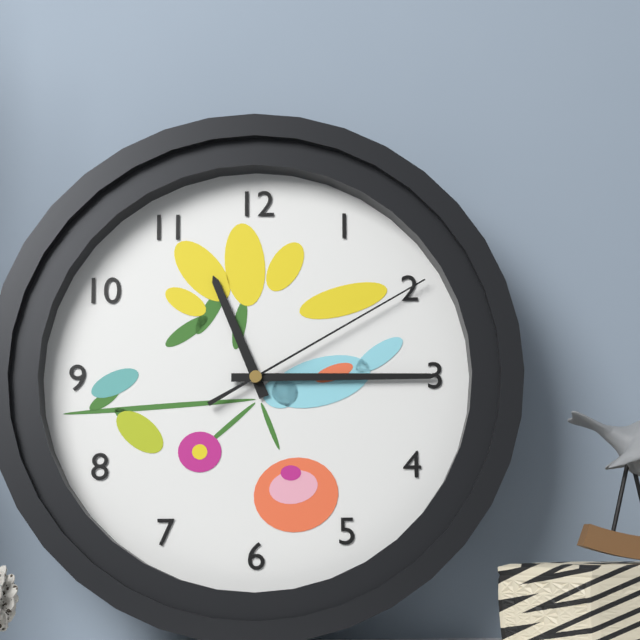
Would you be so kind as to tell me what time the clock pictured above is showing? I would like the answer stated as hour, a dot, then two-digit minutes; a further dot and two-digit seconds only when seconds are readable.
11.15.10
